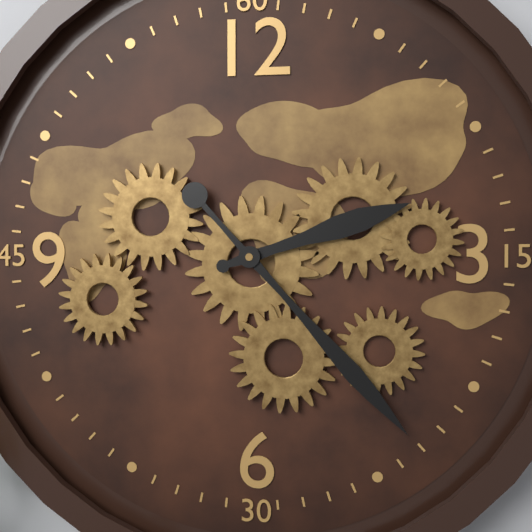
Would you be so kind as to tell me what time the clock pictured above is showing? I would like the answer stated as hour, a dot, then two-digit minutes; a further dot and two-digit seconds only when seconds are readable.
2.23
